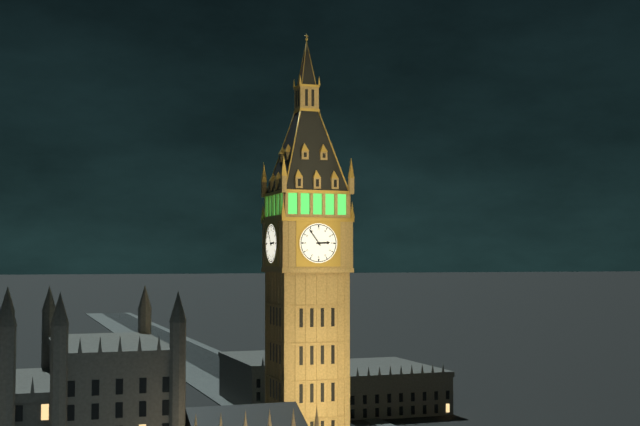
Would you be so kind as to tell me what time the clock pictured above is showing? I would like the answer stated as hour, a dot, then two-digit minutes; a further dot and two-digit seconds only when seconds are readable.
2.54
